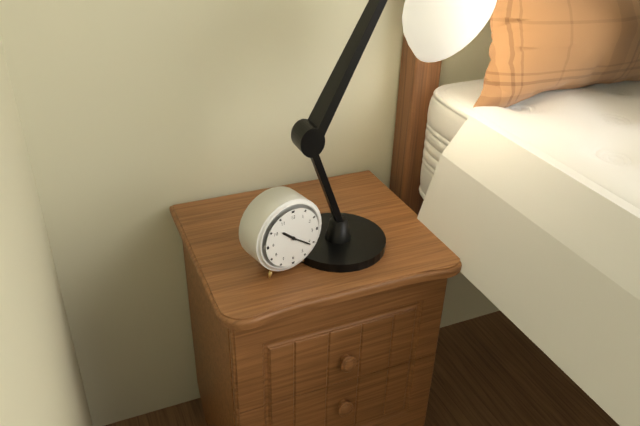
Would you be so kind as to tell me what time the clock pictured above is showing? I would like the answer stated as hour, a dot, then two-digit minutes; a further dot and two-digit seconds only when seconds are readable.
10.21
